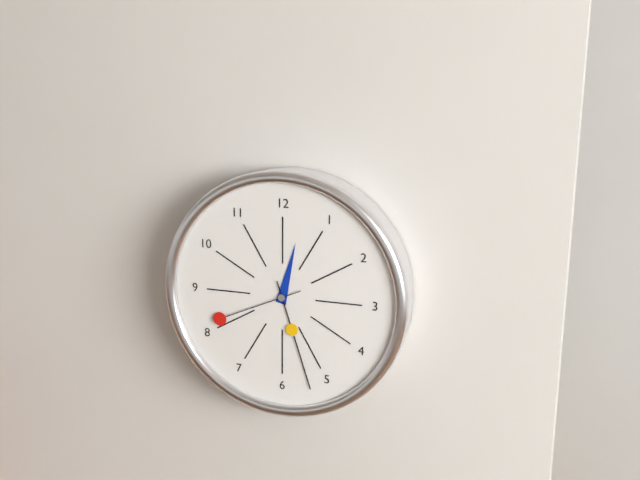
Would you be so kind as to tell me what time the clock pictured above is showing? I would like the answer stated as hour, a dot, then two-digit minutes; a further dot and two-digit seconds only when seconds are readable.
12.27.41
